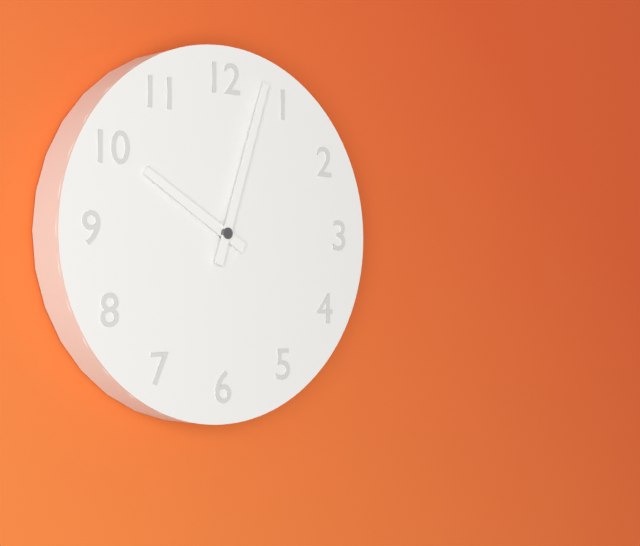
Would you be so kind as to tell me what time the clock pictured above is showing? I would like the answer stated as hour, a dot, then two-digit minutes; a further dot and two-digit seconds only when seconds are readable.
10.03
